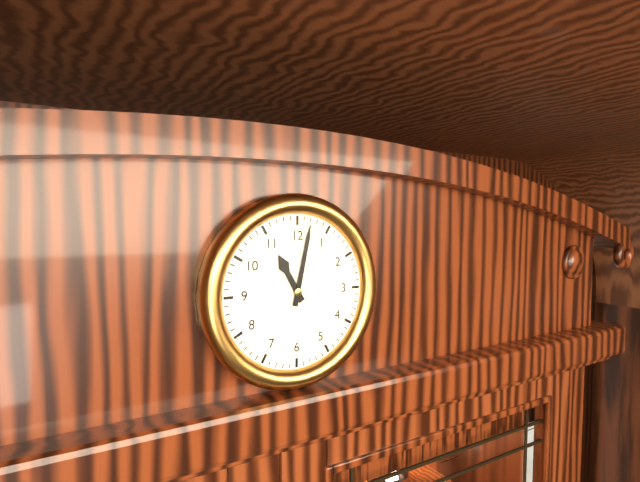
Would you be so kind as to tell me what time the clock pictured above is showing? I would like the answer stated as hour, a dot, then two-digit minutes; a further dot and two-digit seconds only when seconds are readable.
11.02
